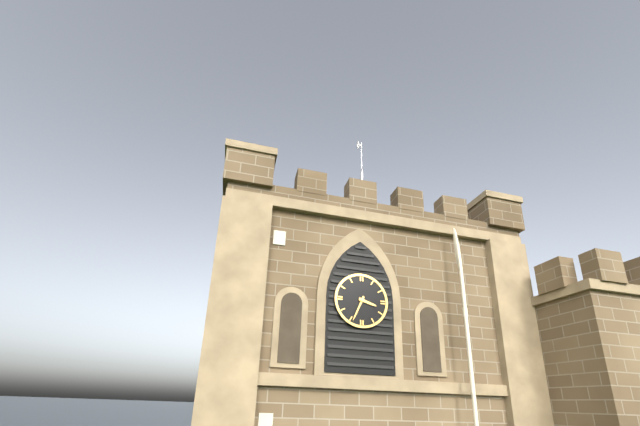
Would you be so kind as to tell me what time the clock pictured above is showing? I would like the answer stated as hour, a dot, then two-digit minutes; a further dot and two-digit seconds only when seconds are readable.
3.34
